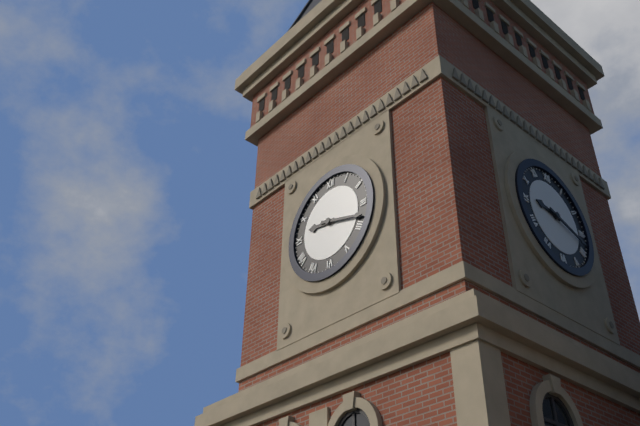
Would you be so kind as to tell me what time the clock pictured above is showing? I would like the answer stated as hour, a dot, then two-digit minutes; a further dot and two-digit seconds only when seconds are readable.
9.18
